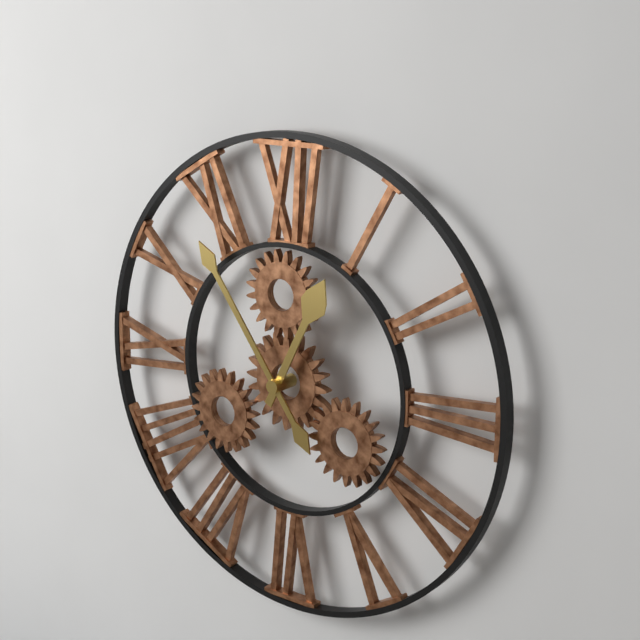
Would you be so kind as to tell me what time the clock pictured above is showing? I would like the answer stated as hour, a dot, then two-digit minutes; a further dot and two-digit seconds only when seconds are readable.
12.54
